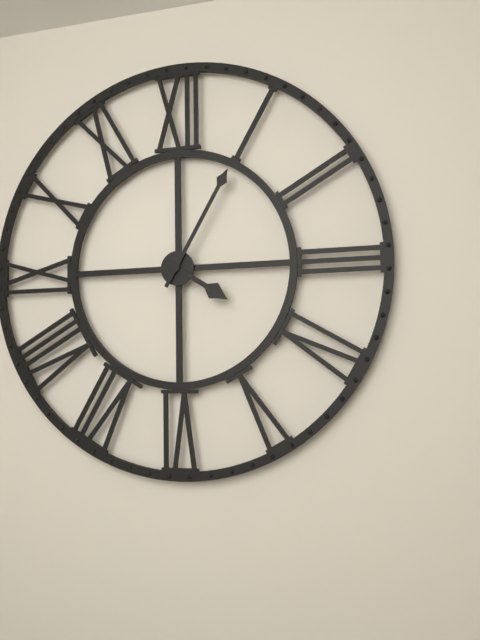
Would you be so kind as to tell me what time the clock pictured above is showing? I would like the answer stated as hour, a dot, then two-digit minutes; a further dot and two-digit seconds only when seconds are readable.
4.05
